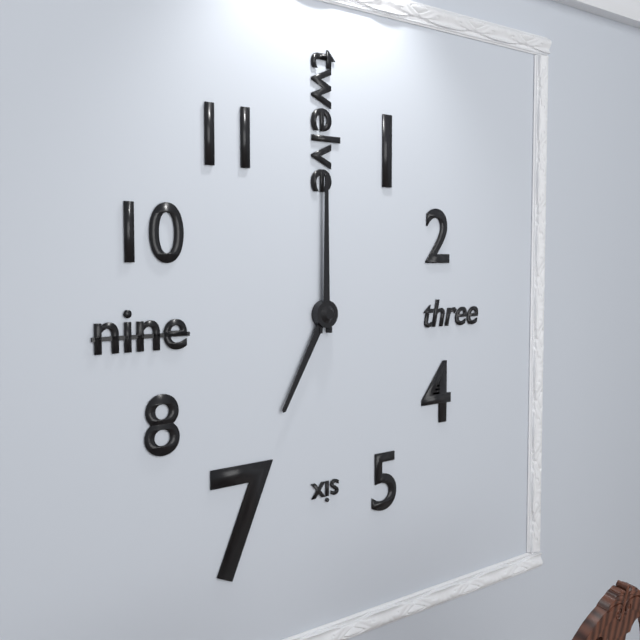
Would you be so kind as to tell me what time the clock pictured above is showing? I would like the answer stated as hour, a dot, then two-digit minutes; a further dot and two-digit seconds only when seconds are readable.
7.00
